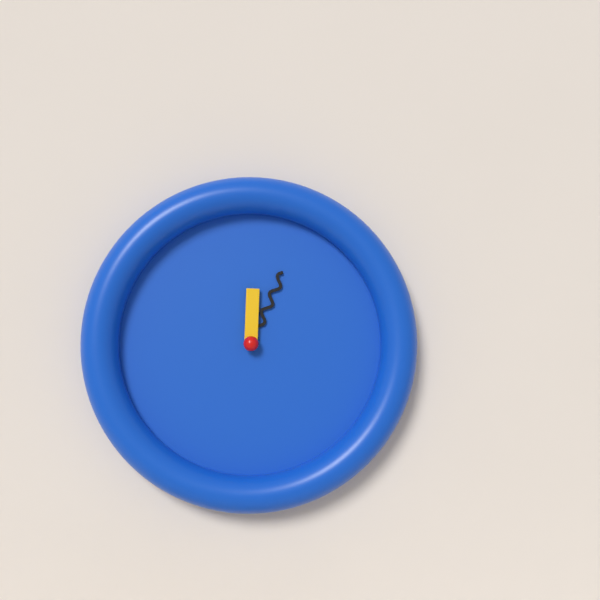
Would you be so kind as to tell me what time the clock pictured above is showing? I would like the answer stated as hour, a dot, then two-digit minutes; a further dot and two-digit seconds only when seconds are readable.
12.04
